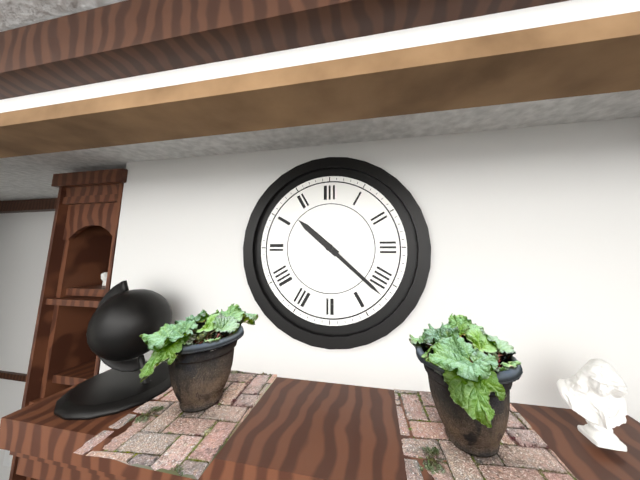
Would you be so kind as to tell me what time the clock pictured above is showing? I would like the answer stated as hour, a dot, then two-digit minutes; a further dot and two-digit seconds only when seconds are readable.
10.22
